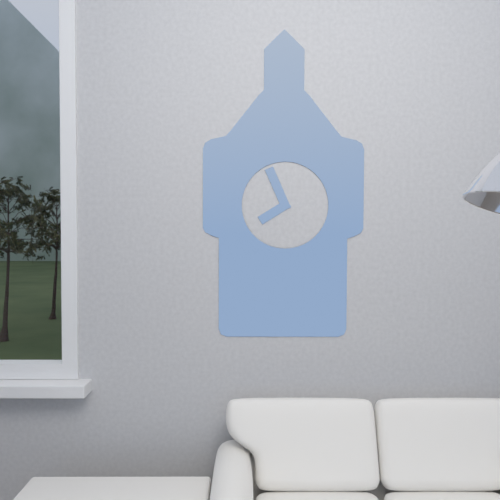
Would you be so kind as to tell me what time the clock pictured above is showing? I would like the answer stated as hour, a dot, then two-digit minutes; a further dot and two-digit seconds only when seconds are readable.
7.56
